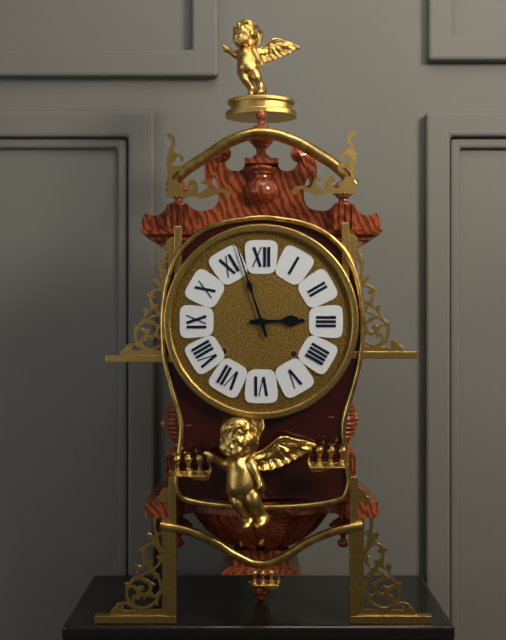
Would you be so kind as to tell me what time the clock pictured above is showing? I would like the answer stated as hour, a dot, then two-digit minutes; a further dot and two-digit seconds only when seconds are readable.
2.57
